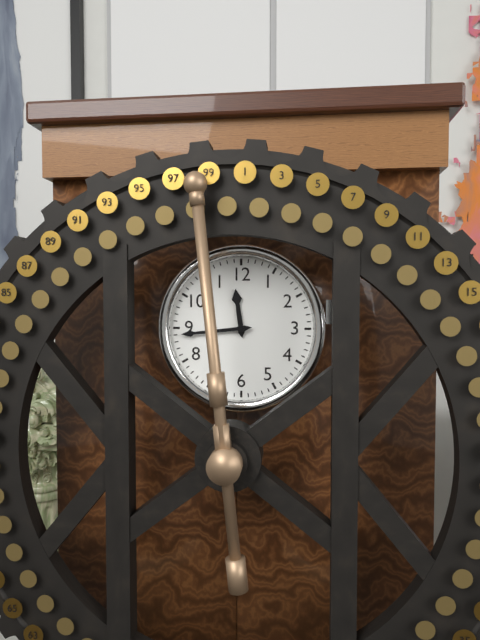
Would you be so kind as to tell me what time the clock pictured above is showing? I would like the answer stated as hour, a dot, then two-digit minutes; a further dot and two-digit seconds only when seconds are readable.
11.44
